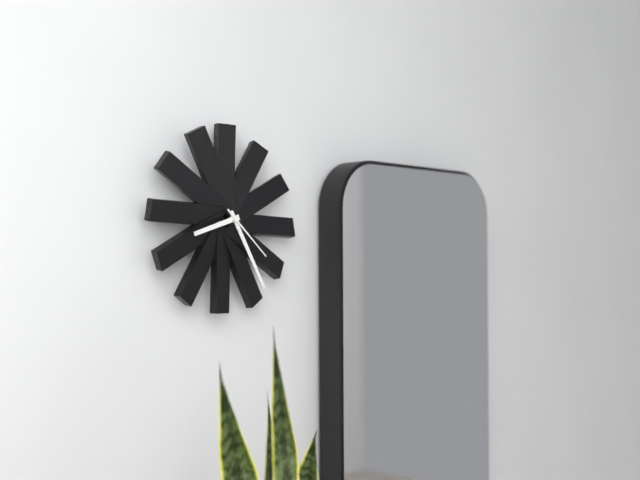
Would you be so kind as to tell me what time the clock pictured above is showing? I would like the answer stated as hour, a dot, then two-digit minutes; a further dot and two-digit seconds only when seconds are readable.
8.25.22
